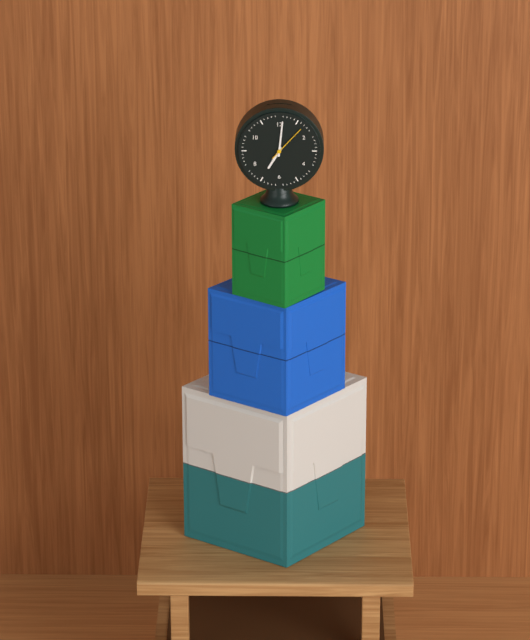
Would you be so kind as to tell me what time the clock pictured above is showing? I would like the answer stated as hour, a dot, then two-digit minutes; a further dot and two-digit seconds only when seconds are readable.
7.01
